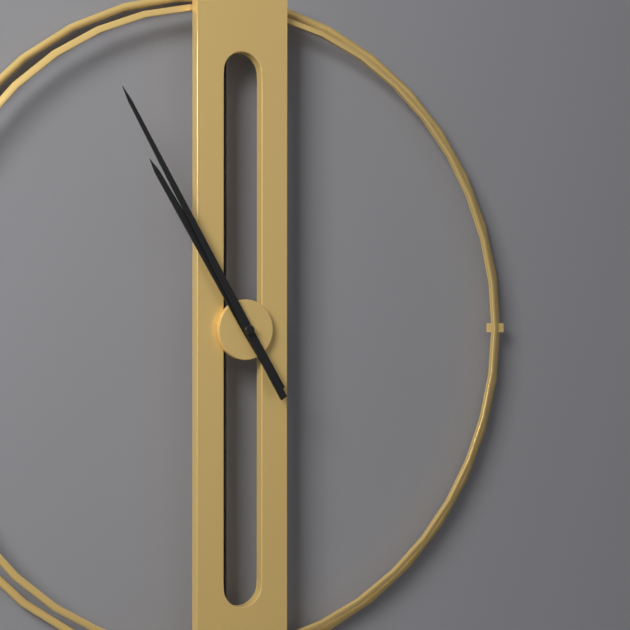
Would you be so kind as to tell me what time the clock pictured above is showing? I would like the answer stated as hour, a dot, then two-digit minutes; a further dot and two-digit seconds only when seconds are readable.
10.55
